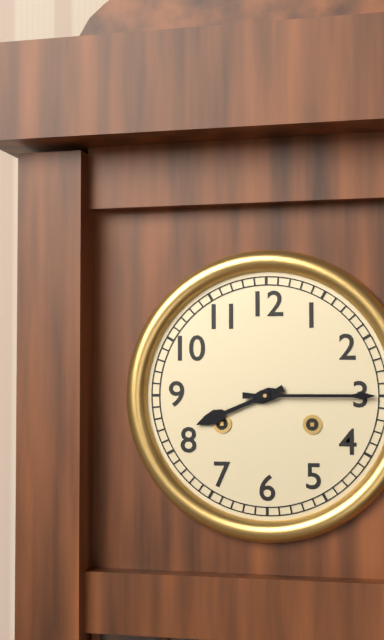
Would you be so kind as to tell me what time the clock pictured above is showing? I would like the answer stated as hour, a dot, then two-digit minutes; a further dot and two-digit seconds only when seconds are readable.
8.15
